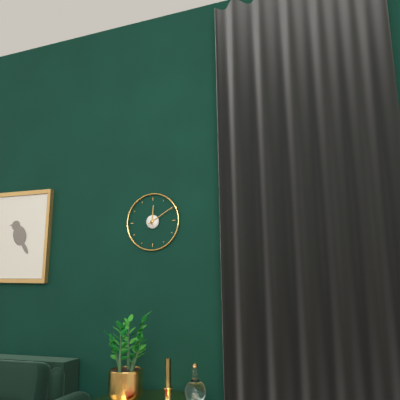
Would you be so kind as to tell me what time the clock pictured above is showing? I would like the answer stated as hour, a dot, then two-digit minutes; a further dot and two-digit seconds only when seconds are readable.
12.10
